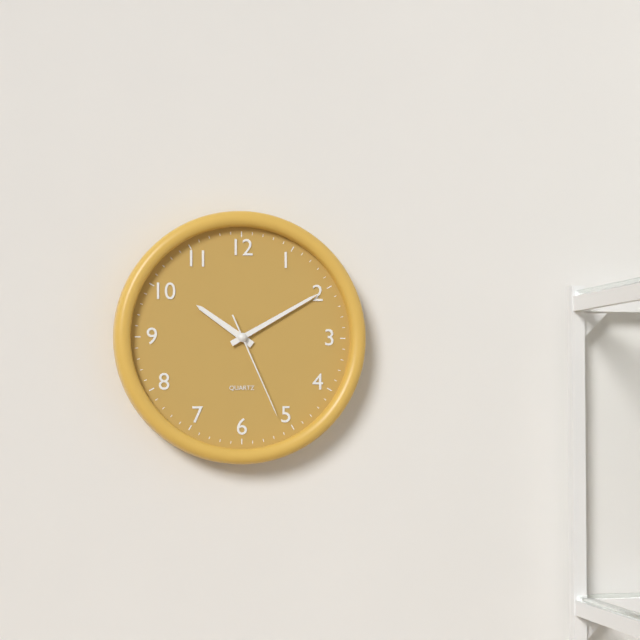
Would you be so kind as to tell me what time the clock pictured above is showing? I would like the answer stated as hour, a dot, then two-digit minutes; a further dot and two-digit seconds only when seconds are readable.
10.10.26
